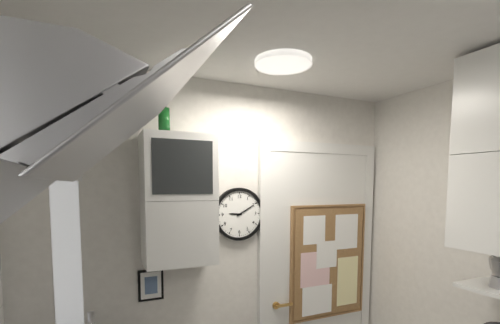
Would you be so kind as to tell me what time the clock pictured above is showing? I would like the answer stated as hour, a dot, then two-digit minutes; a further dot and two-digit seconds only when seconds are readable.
9.10
